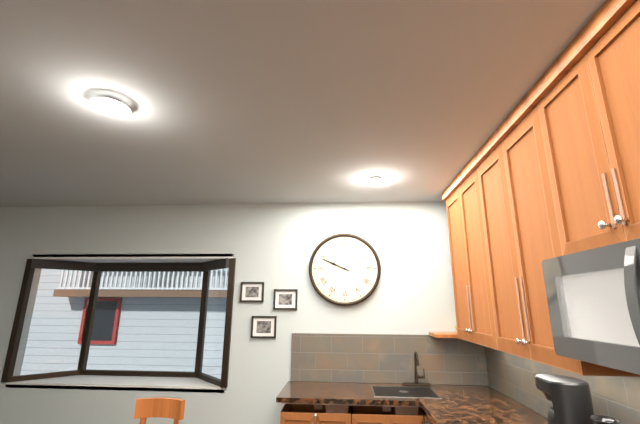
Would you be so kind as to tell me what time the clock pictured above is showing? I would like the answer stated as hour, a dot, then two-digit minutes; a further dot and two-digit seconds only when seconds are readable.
9.49
